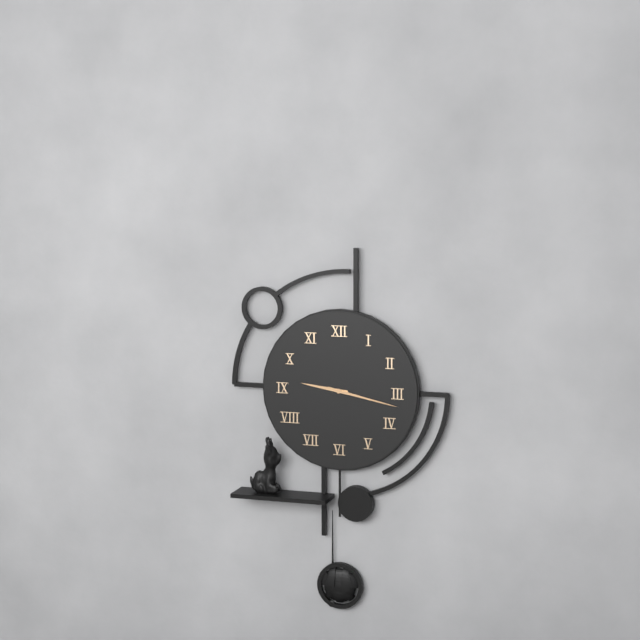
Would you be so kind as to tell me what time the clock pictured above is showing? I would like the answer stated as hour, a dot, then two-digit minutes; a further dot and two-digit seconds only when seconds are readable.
9.17
